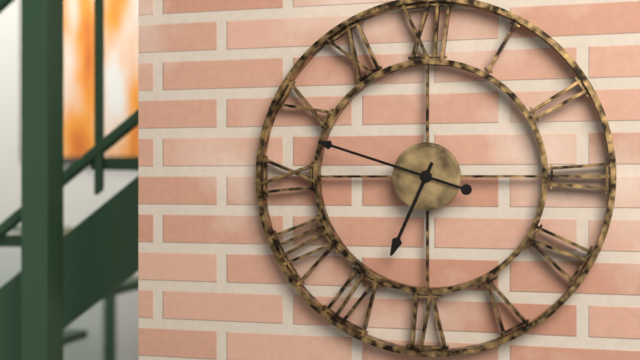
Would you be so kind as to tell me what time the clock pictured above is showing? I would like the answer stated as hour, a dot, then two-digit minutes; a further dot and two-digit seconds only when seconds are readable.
6.48
